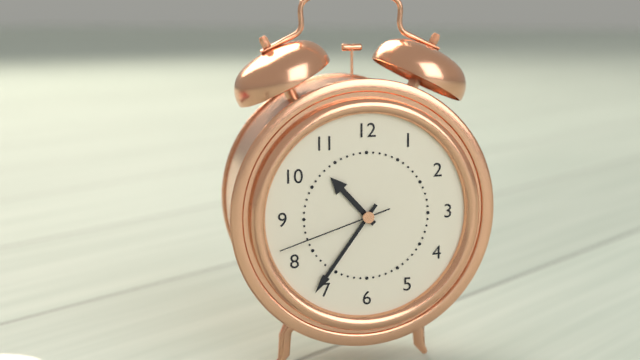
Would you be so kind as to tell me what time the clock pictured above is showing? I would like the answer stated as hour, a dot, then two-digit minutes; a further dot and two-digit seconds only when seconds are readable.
10.36.42
